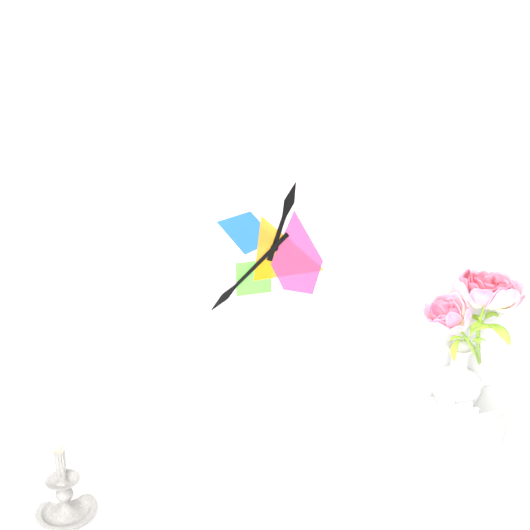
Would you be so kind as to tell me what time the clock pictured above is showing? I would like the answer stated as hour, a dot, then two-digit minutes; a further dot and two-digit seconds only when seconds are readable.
12.38
